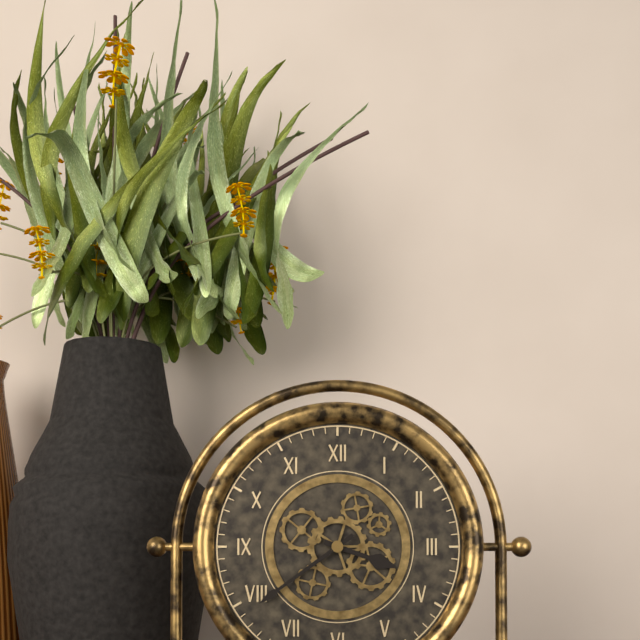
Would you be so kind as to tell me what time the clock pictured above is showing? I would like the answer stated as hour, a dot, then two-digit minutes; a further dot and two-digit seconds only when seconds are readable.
3.39
